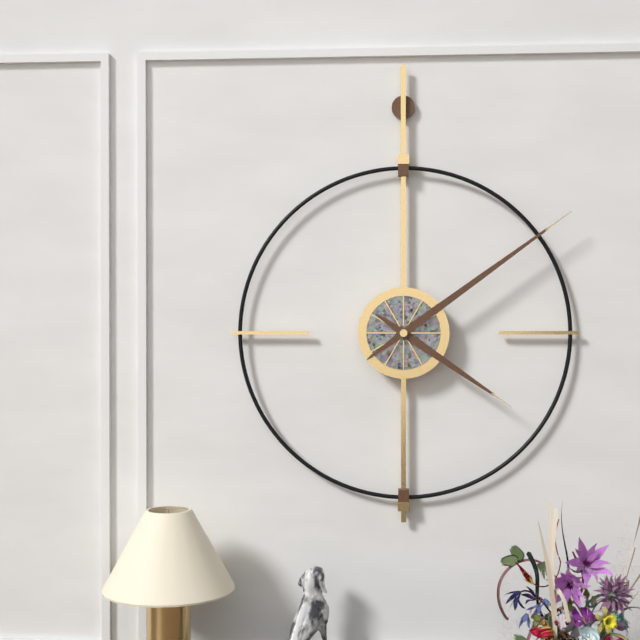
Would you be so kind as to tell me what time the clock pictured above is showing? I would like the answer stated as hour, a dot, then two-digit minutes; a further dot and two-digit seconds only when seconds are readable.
4.09
